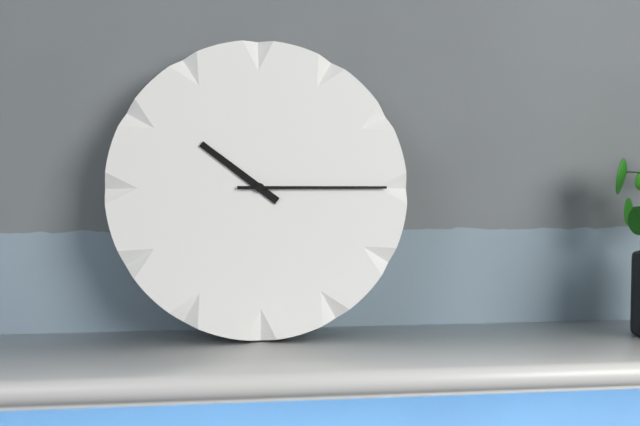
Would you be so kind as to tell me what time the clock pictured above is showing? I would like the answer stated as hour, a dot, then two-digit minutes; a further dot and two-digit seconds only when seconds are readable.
10.15
